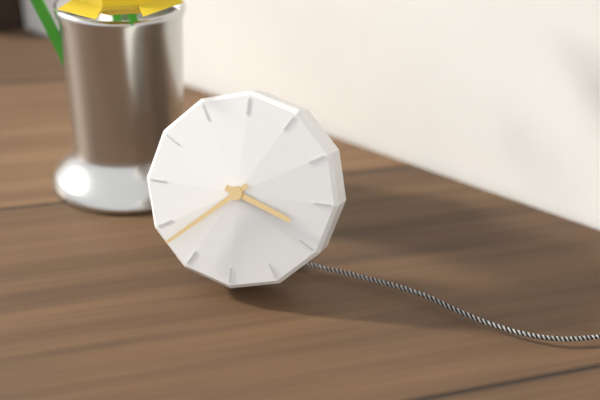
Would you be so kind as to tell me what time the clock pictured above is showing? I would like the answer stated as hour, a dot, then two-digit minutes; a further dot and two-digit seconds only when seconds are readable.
3.38
